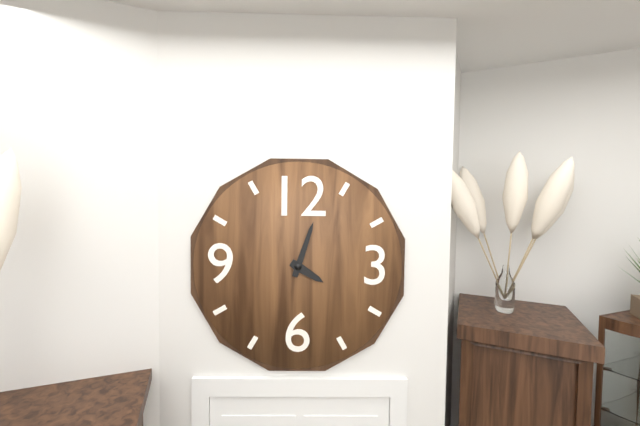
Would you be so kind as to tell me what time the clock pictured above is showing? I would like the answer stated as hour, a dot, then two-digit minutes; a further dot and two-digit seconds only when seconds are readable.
4.03
